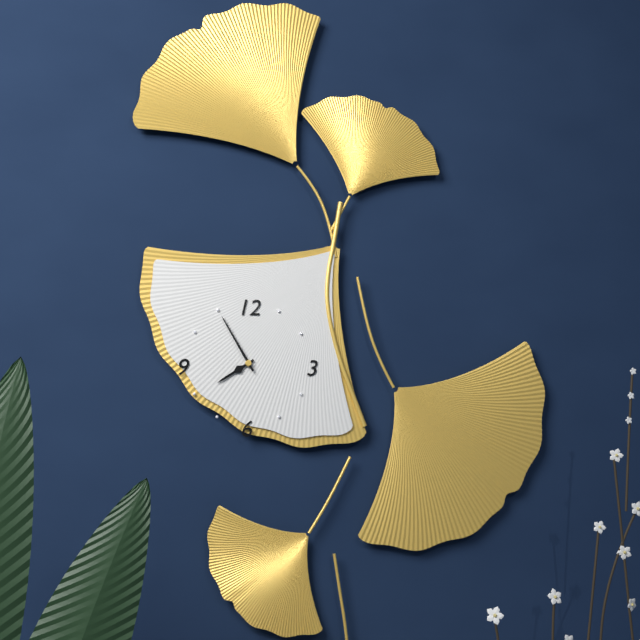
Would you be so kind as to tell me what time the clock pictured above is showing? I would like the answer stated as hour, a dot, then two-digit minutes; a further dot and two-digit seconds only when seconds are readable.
7.55
